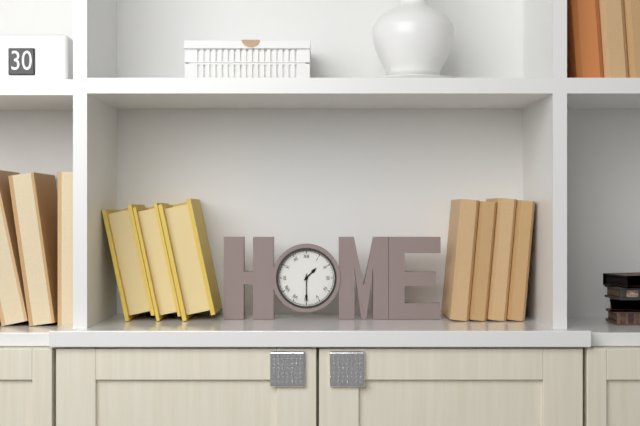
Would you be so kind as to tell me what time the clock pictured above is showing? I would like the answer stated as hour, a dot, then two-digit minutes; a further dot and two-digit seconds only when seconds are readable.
1.30
